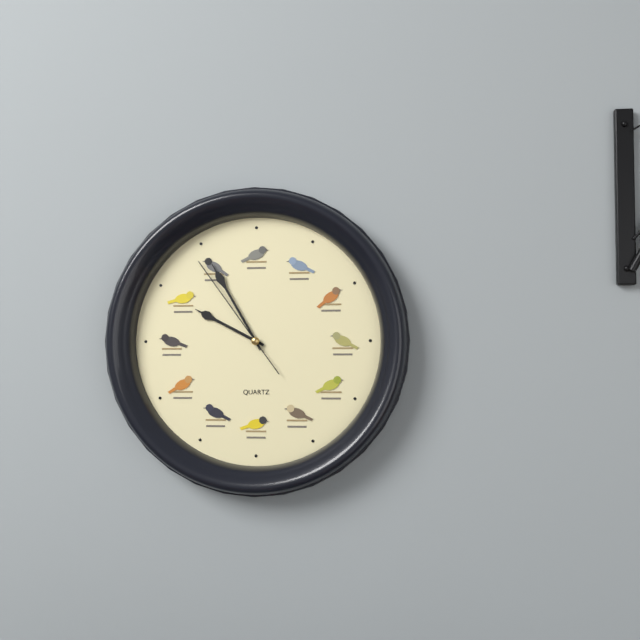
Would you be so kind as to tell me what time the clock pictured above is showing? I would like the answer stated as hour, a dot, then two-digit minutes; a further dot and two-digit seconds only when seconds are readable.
9.55.54
